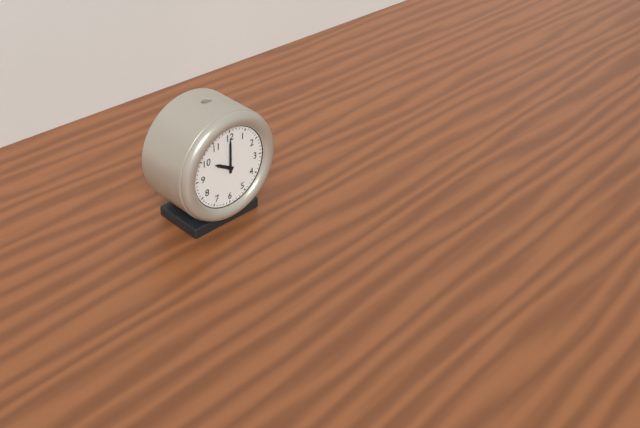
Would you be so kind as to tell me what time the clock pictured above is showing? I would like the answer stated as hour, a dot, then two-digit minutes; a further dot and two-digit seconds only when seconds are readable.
10.00
